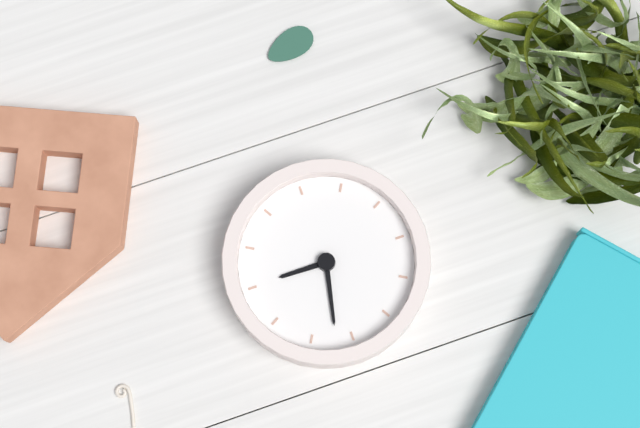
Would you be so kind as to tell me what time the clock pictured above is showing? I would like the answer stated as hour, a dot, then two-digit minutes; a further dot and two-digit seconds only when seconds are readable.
3.02
